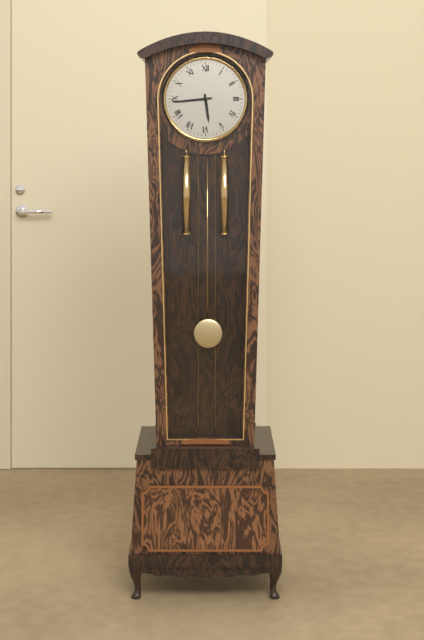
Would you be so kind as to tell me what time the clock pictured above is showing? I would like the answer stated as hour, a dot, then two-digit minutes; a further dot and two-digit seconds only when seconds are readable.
5.44
